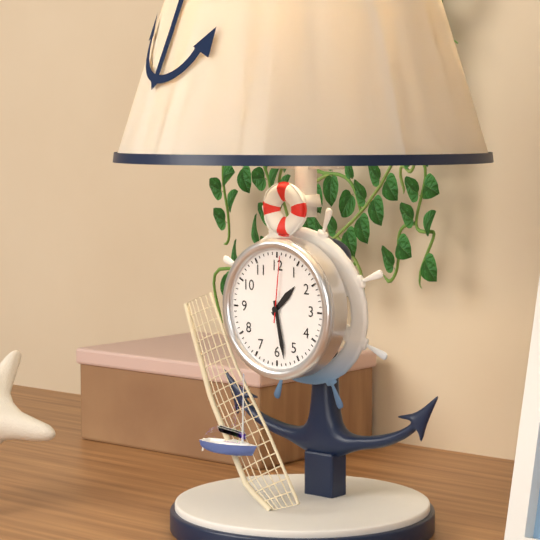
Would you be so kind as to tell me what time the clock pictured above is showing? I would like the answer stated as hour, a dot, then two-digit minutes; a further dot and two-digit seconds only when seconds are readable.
1.28.01
